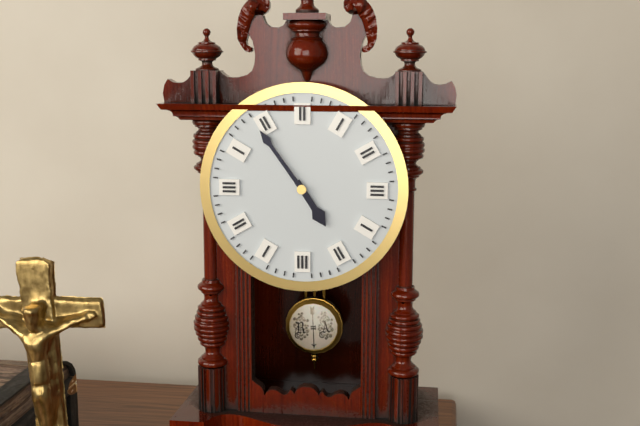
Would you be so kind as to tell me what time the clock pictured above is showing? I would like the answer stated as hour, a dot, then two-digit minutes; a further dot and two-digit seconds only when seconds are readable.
4.54
